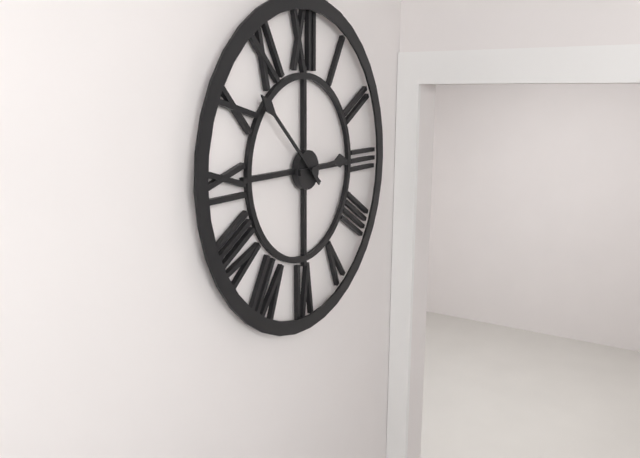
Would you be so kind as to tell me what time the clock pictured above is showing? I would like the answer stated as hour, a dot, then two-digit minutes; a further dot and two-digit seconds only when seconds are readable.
2.52
